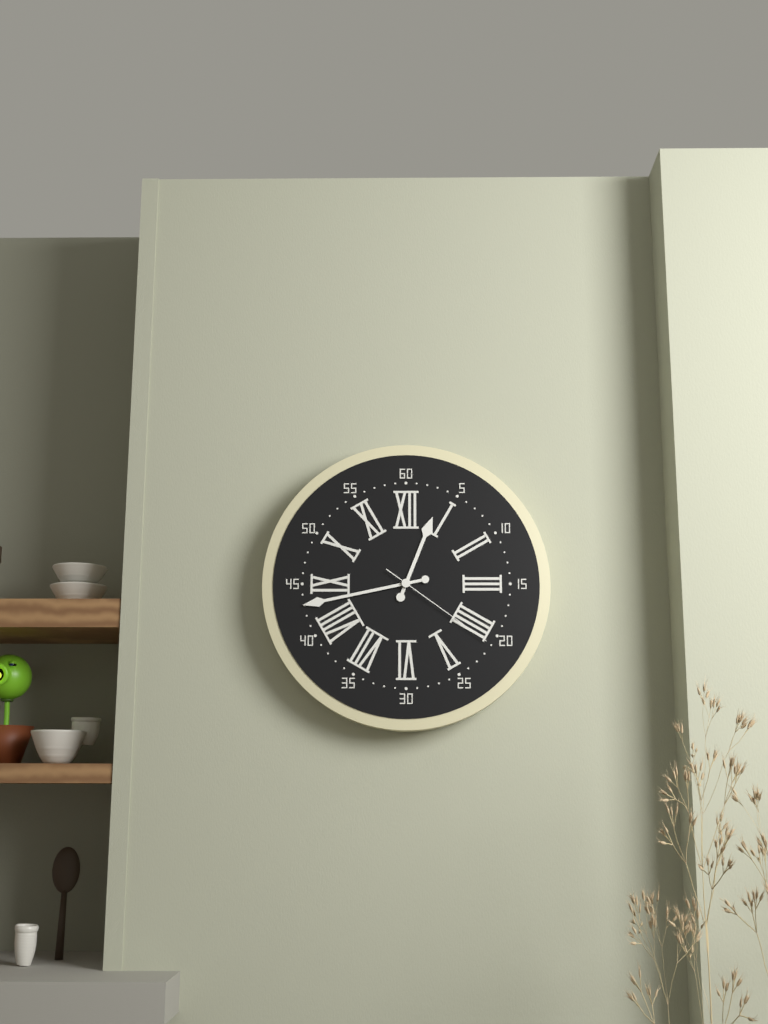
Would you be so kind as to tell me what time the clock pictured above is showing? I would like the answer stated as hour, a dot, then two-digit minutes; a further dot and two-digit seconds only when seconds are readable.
12.43.21
